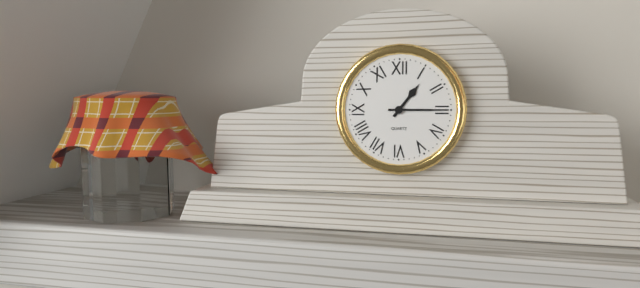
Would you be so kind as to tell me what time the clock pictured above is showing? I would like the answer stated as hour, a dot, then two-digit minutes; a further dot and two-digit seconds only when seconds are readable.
1.15
